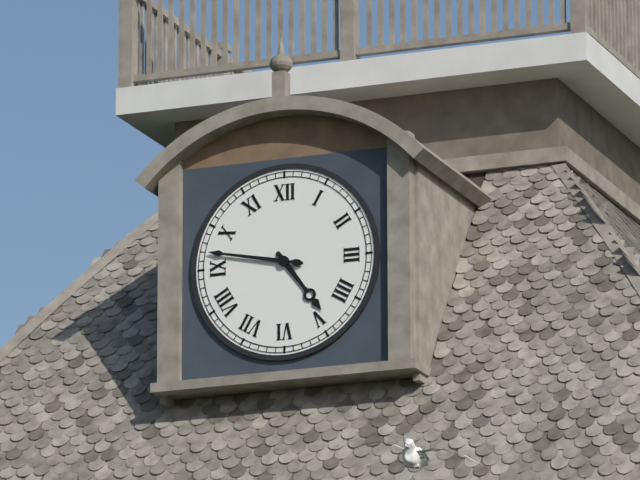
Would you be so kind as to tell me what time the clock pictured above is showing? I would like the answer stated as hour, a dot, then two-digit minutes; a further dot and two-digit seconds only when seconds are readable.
4.47
